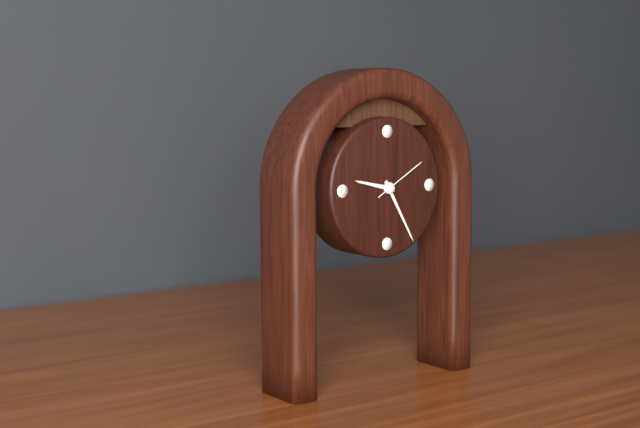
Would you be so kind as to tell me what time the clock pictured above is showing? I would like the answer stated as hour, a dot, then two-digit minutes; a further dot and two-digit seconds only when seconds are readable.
9.25.10
